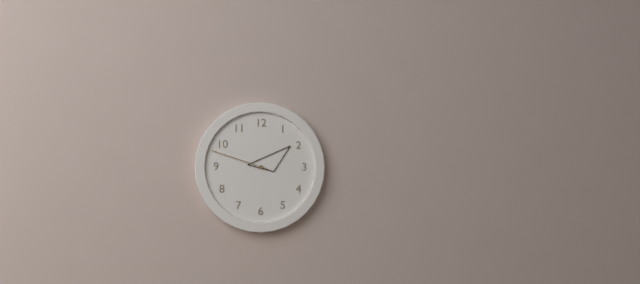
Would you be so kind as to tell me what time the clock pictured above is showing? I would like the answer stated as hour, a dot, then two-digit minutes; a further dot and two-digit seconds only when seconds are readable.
1.48
